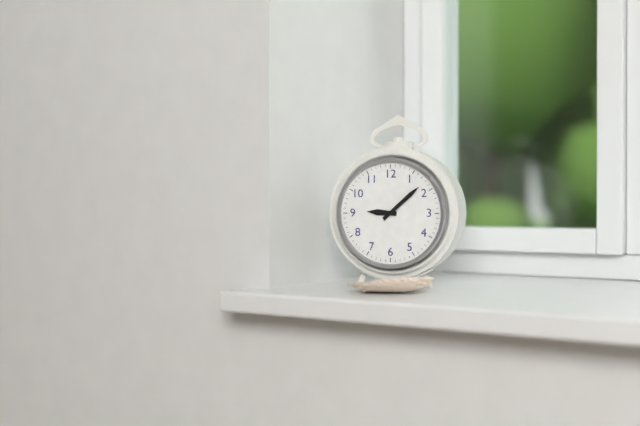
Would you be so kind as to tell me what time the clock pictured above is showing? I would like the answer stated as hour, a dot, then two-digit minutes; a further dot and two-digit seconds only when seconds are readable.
9.08
